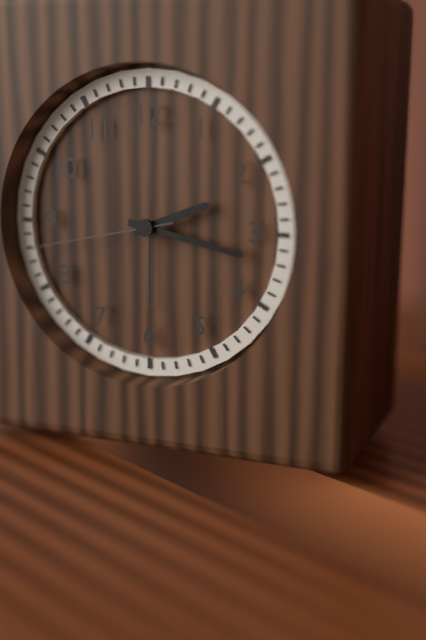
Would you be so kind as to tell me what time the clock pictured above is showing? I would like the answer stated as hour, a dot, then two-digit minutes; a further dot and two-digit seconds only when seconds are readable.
2.17.43
